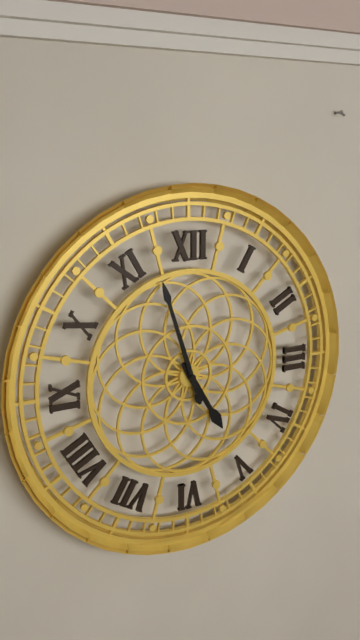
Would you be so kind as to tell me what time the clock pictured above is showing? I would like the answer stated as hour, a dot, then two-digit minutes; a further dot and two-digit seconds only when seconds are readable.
4.57
